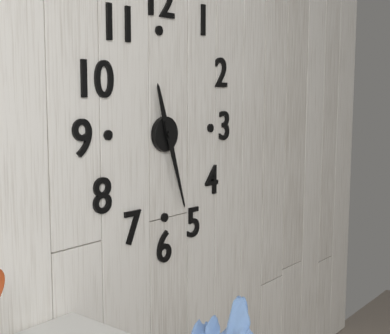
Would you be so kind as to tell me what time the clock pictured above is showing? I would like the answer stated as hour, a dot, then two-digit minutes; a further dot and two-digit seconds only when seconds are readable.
11.27
